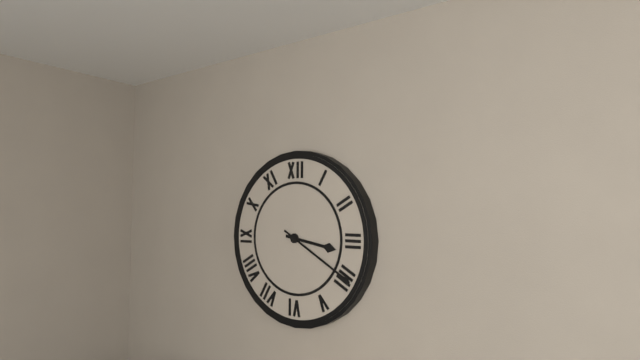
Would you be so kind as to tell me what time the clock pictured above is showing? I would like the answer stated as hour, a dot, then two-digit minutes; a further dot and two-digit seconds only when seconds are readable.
3.20
